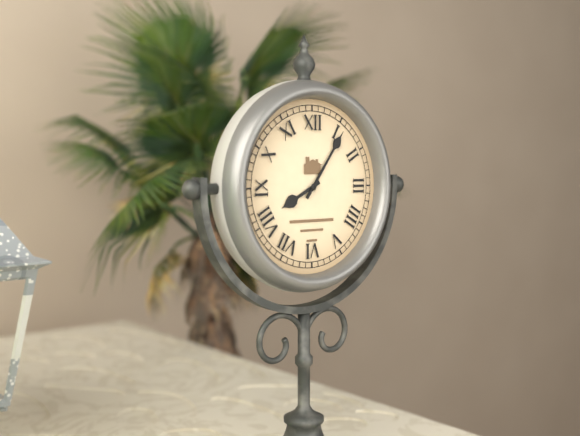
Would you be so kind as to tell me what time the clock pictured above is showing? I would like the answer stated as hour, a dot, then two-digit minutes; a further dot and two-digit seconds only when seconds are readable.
8.06
